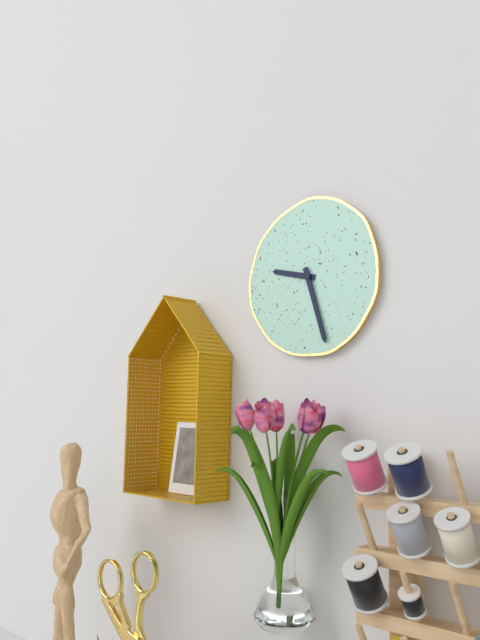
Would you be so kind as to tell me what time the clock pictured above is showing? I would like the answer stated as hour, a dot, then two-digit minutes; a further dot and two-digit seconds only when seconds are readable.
9.27
